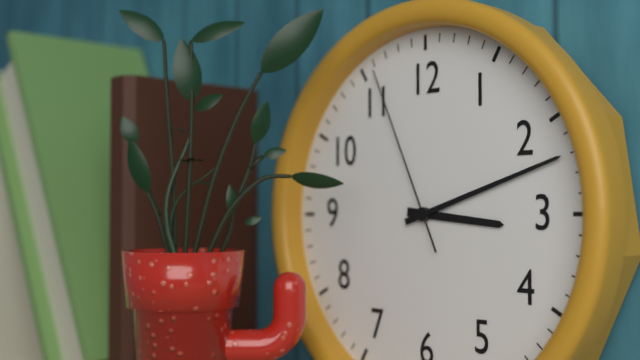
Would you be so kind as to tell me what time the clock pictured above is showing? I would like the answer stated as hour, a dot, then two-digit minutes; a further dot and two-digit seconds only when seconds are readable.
3.12.56
